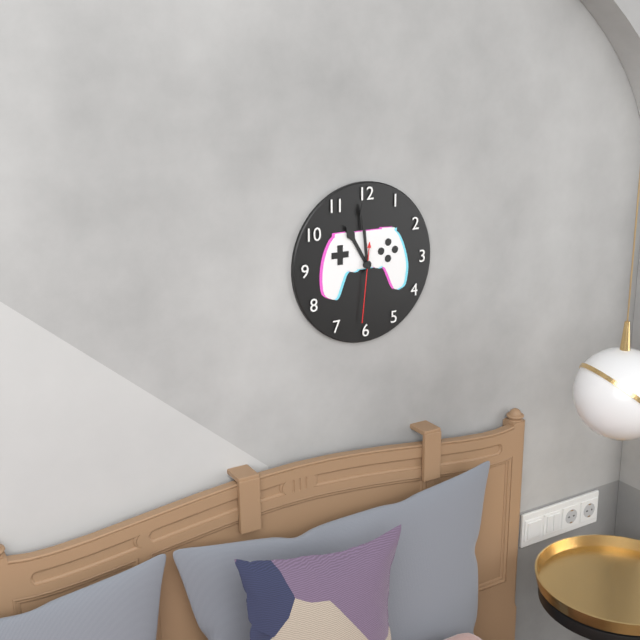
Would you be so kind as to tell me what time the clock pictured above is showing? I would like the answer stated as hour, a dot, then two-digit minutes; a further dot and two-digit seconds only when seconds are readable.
10.59.31
